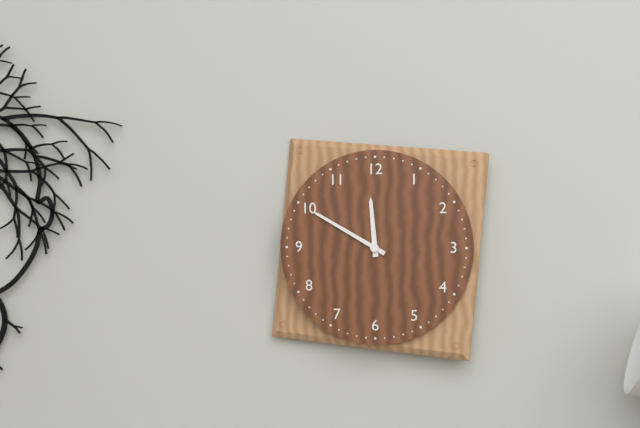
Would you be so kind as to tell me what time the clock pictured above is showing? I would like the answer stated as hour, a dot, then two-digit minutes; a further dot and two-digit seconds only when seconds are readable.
11.50
